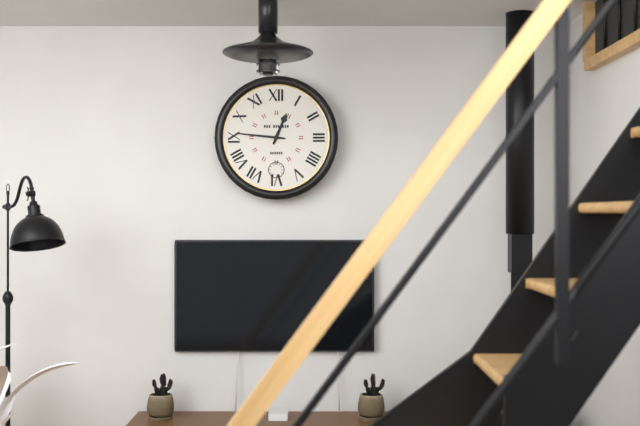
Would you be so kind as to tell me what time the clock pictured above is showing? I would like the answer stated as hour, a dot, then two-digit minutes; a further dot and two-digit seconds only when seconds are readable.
12.46
